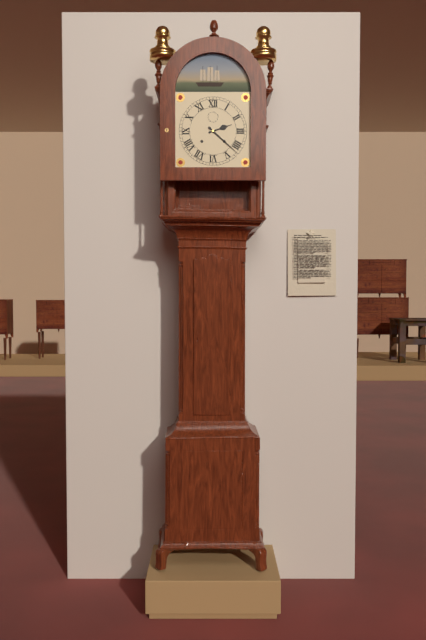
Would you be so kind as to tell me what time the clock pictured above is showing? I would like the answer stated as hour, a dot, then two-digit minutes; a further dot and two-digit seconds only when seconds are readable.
2.22
